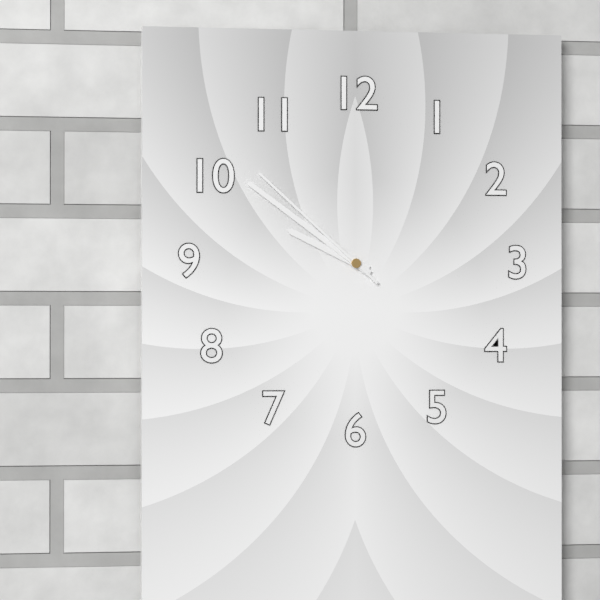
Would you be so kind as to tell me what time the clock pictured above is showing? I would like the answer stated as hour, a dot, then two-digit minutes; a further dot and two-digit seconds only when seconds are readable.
9.51.52
